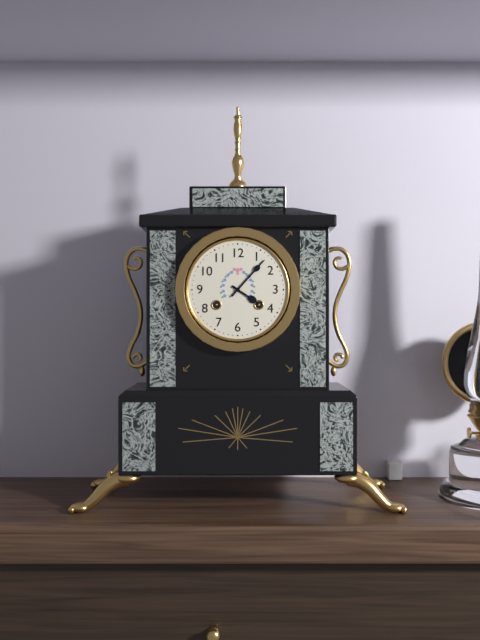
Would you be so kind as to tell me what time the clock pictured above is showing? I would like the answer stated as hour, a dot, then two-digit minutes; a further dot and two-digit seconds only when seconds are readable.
4.07
